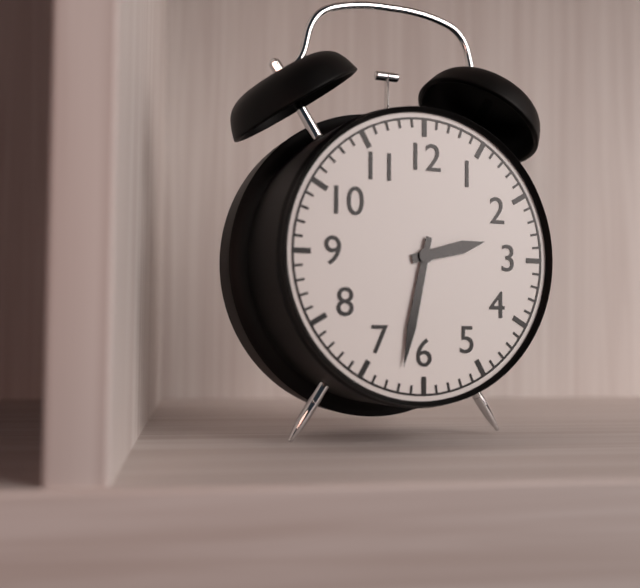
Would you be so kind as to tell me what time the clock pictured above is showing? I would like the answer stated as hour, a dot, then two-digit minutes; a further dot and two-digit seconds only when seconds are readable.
2.32
